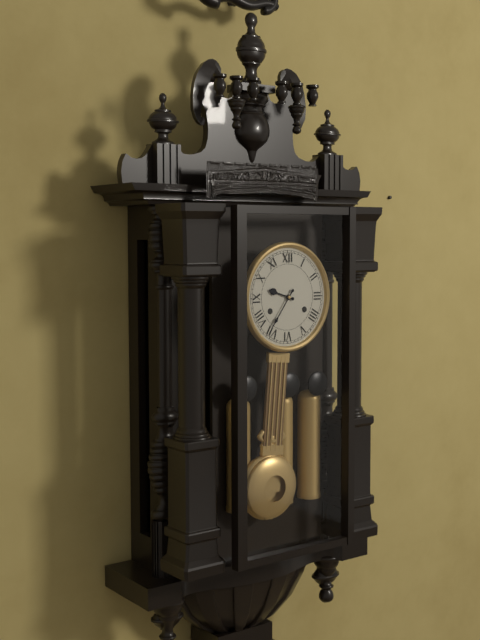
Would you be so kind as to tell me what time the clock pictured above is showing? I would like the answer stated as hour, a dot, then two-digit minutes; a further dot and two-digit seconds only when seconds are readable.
9.36
